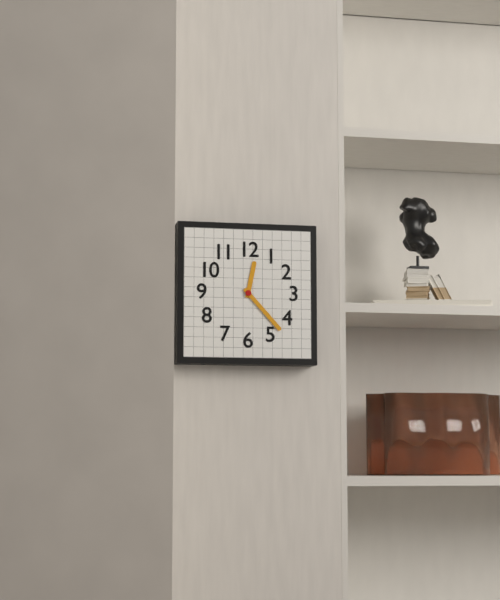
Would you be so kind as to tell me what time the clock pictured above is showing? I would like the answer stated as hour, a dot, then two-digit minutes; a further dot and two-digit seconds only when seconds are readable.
12.23
